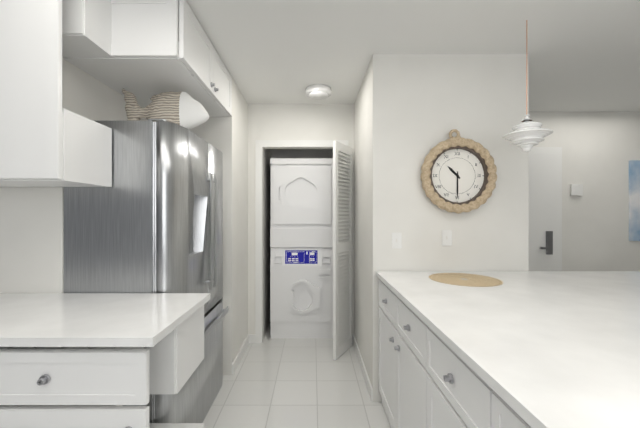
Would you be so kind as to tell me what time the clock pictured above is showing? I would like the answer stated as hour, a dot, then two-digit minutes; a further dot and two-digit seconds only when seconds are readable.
10.30
